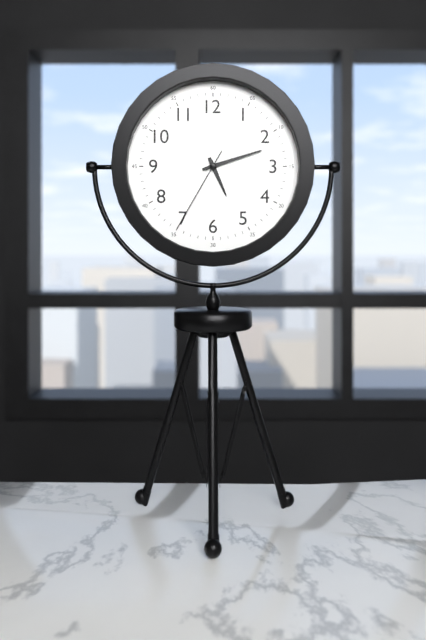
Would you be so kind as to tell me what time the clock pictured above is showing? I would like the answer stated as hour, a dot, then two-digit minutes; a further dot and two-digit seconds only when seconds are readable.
5.12.35
